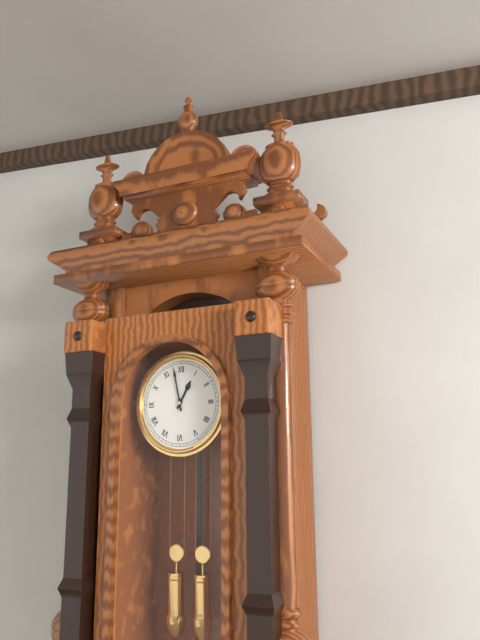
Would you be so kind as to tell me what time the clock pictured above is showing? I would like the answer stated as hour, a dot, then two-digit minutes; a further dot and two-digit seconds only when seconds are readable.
12.58
